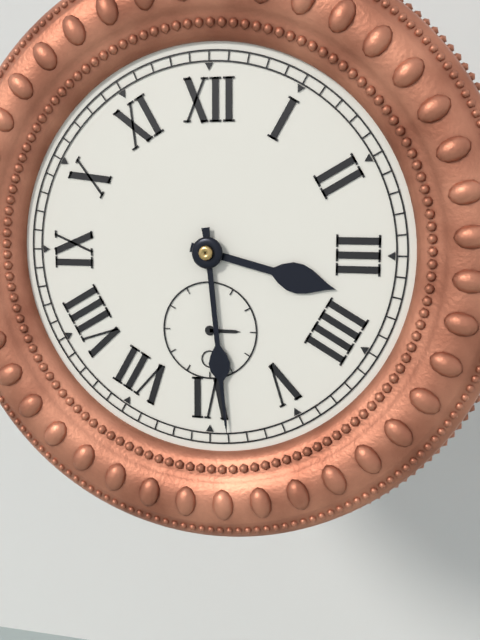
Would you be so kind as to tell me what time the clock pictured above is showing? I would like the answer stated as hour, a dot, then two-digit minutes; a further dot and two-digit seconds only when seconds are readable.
3.29
